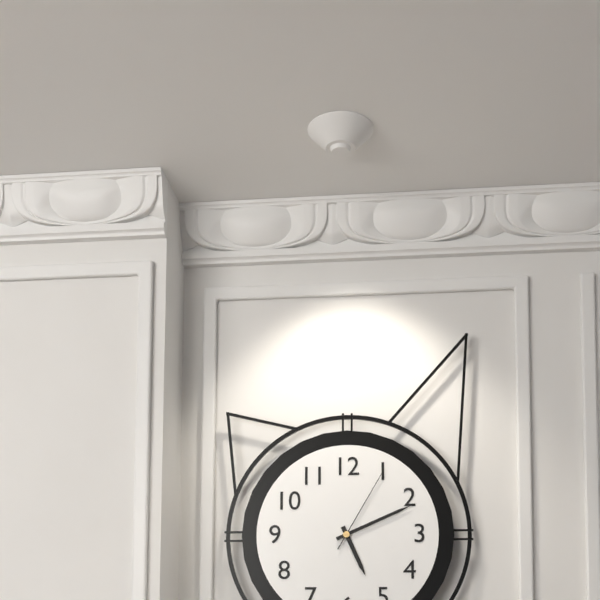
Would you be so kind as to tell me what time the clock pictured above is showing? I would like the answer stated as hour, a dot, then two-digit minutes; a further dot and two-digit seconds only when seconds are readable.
5.11.05
